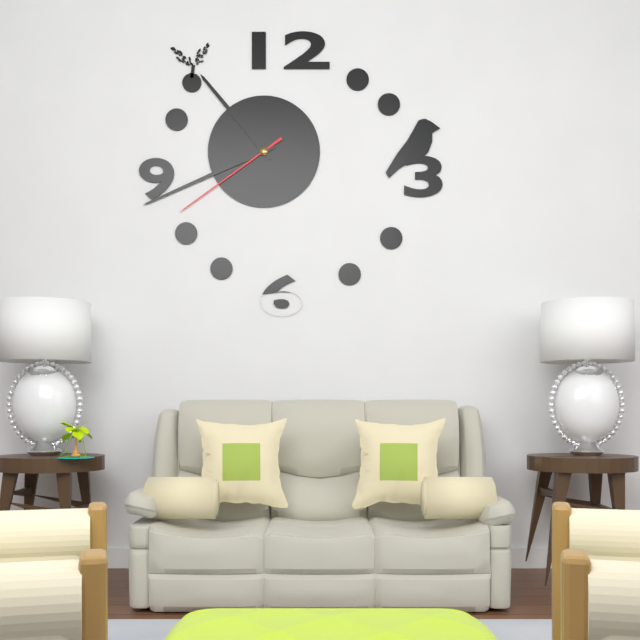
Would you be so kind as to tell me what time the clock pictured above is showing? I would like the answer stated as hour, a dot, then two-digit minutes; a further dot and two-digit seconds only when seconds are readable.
10.41.39
